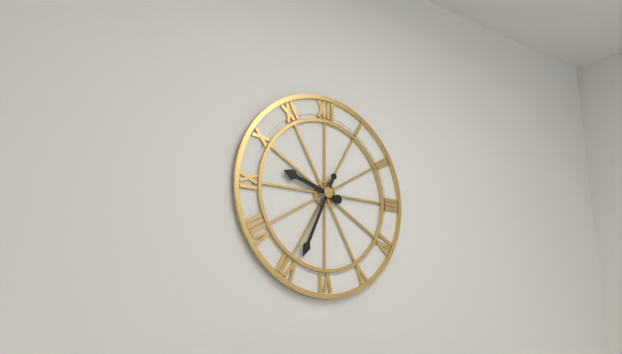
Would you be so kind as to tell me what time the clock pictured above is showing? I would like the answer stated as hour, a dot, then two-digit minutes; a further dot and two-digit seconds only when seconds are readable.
9.34
